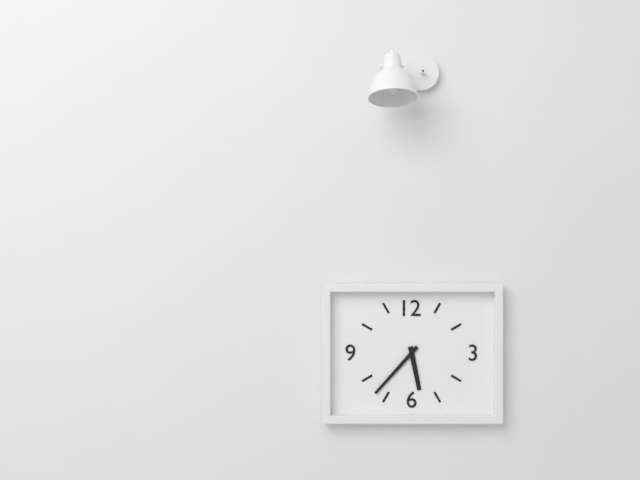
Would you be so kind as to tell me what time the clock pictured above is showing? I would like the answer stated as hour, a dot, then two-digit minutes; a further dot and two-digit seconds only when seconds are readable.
5.37
